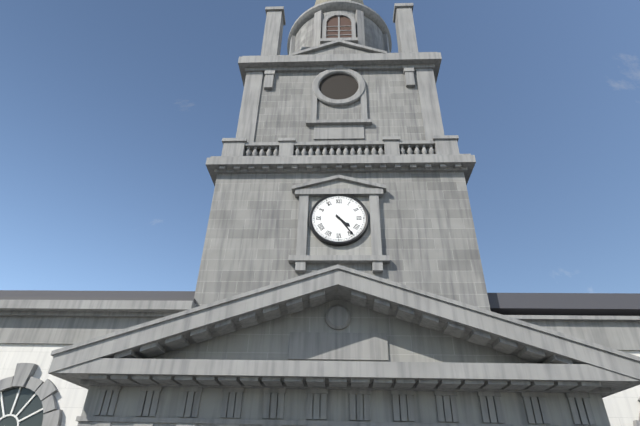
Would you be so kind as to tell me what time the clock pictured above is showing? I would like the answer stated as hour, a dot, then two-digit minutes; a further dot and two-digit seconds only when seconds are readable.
4.24
